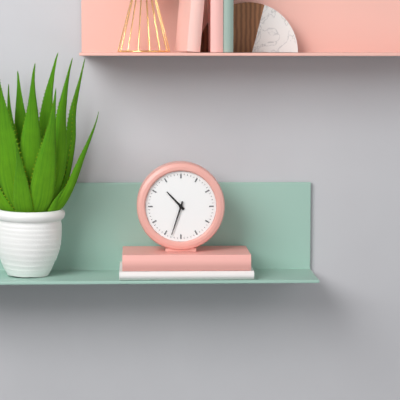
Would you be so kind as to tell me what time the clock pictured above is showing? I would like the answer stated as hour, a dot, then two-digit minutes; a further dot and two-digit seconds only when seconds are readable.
10.33
